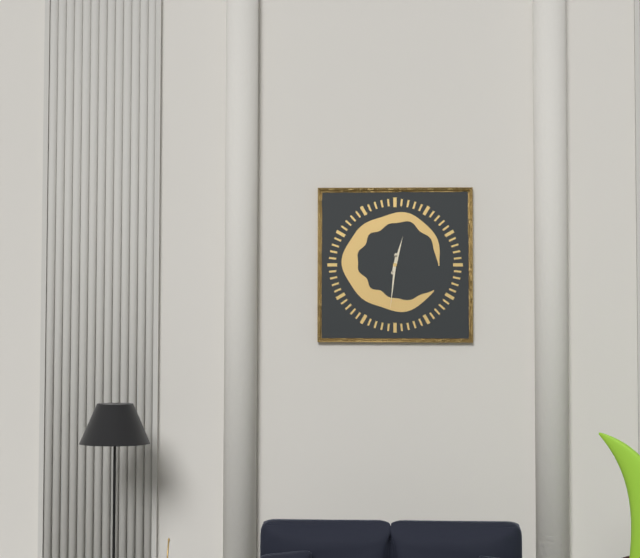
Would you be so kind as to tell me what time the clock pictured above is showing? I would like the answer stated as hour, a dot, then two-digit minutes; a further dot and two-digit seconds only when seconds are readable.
12.31
